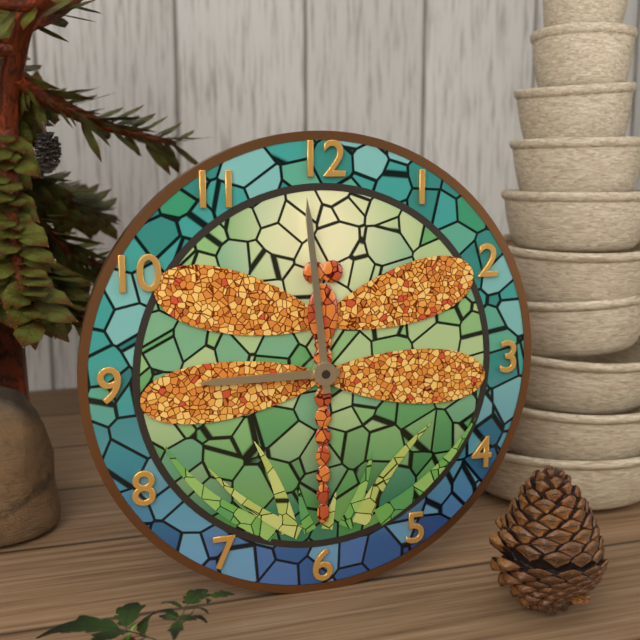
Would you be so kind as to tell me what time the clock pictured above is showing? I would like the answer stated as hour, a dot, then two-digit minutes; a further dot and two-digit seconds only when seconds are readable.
8.59
